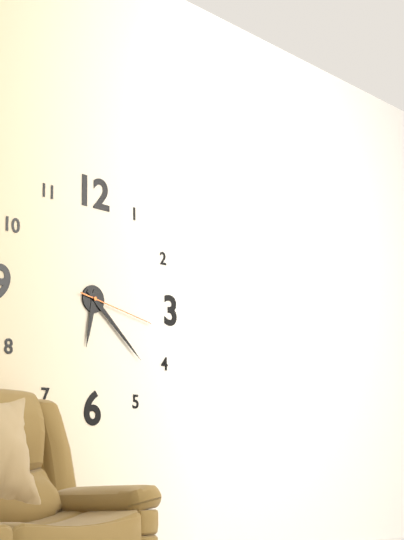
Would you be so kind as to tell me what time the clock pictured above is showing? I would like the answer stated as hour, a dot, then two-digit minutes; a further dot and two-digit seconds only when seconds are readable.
6.22.17
